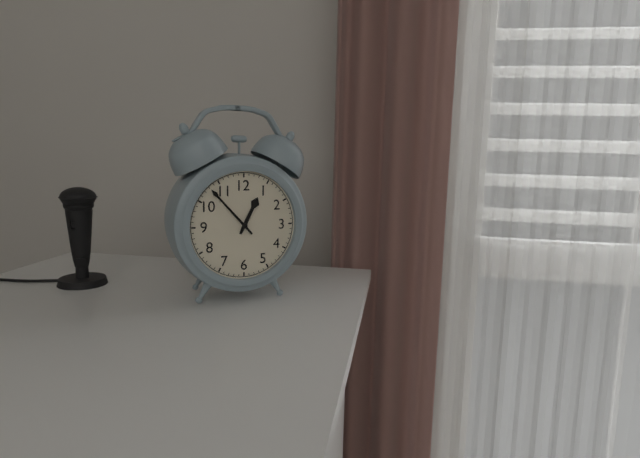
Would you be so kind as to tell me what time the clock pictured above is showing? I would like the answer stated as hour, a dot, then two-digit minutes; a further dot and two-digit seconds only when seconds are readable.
12.53
